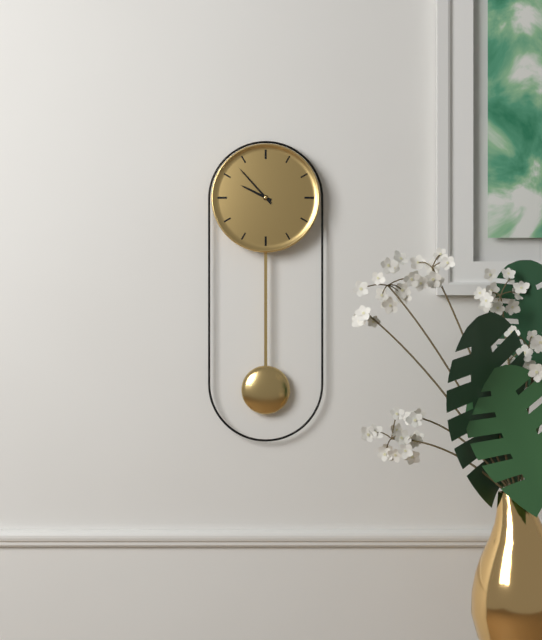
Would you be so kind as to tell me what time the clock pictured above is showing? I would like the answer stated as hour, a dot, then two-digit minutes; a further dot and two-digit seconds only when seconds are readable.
9.53
